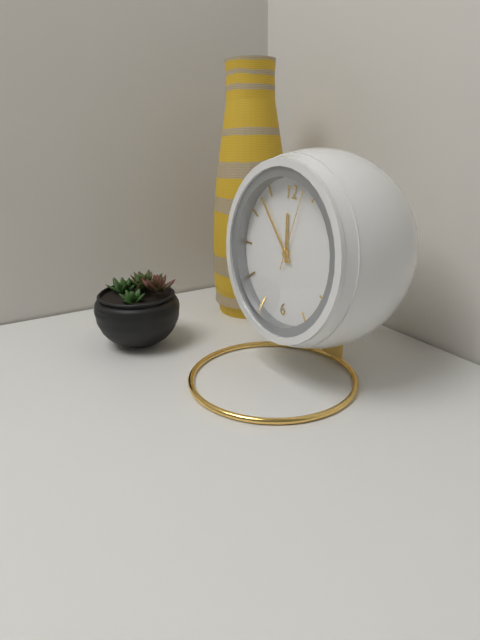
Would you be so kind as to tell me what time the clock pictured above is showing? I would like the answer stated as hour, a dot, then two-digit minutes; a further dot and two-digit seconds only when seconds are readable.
11.53.03
